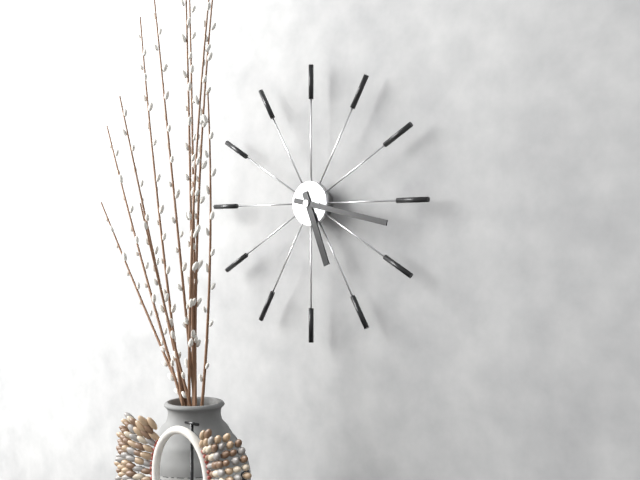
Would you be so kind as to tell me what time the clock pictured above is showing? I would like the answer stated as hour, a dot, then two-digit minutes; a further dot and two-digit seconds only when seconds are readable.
5.17
